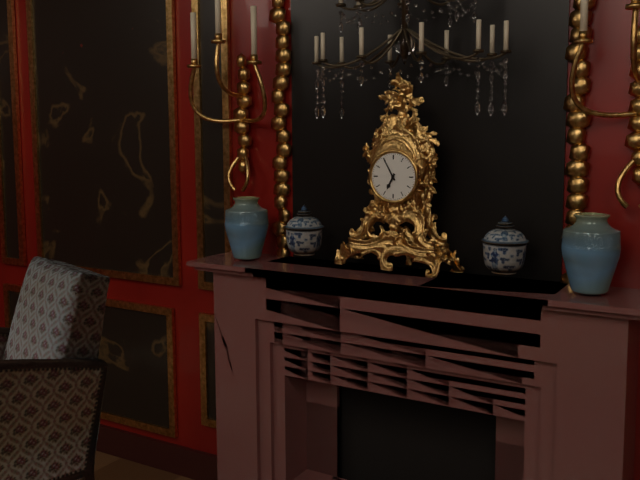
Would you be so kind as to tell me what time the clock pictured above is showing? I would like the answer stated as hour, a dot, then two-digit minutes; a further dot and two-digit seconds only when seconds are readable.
6.55
